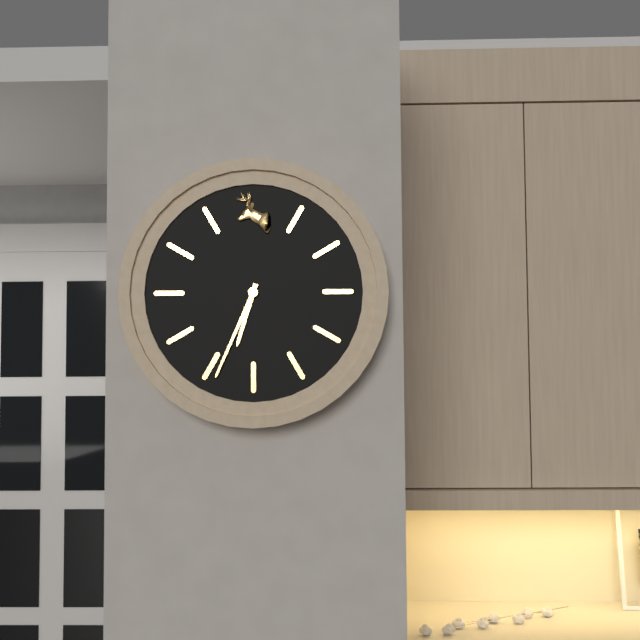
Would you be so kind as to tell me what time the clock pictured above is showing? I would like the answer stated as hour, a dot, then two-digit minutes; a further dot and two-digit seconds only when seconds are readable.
6.34
